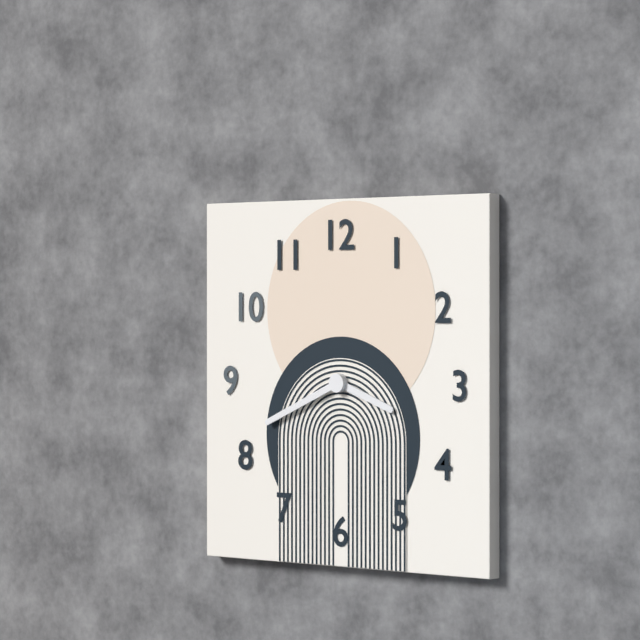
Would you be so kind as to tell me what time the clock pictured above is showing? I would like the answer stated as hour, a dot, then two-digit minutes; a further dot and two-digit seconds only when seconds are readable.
3.41
